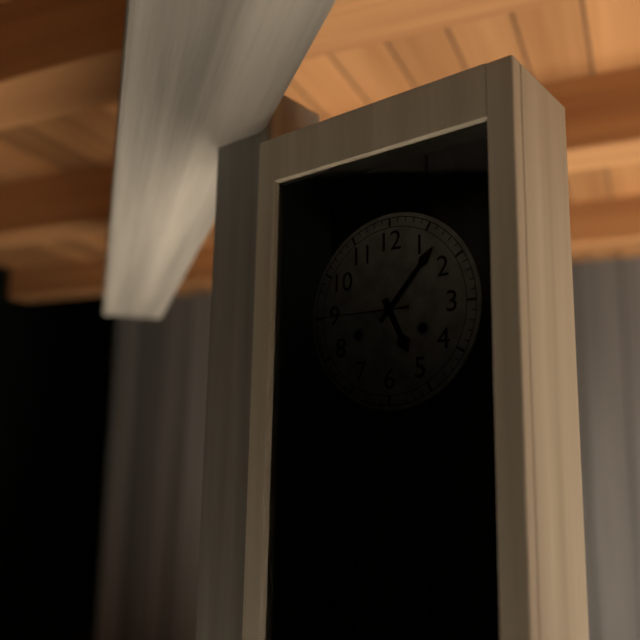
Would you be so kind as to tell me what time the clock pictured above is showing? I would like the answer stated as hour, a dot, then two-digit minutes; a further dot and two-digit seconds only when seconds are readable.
5.07.45
